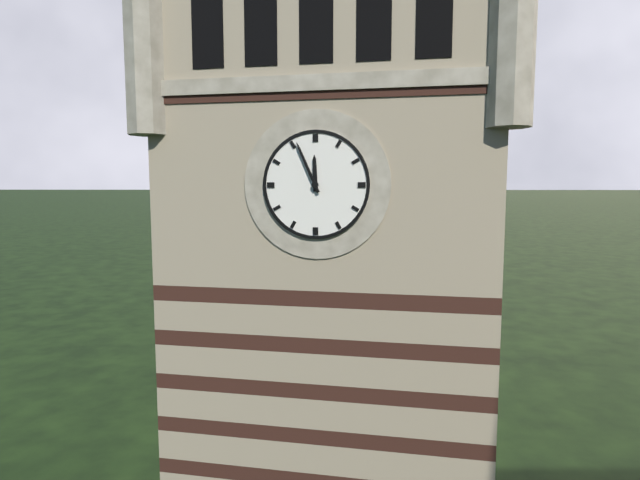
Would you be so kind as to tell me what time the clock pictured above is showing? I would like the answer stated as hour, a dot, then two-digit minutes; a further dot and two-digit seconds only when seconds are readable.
11.56
